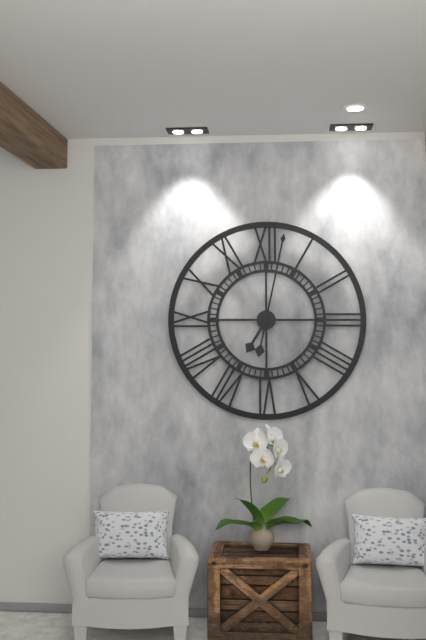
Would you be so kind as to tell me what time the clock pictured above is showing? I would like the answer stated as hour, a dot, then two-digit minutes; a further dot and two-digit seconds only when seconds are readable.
7.02
